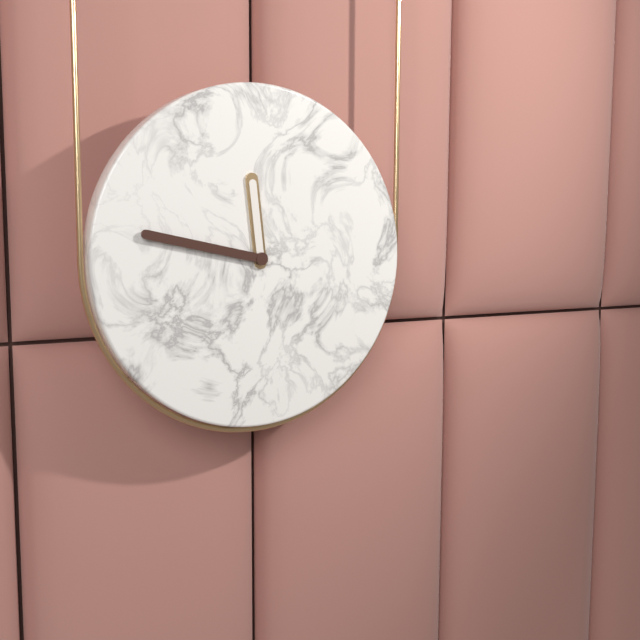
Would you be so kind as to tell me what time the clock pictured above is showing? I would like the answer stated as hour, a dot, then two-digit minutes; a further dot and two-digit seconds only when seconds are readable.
11.47
